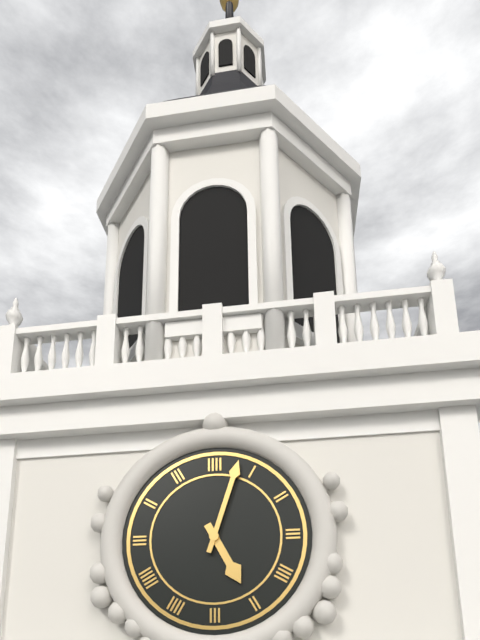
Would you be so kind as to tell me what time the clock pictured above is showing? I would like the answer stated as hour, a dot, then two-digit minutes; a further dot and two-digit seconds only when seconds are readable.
5.03
